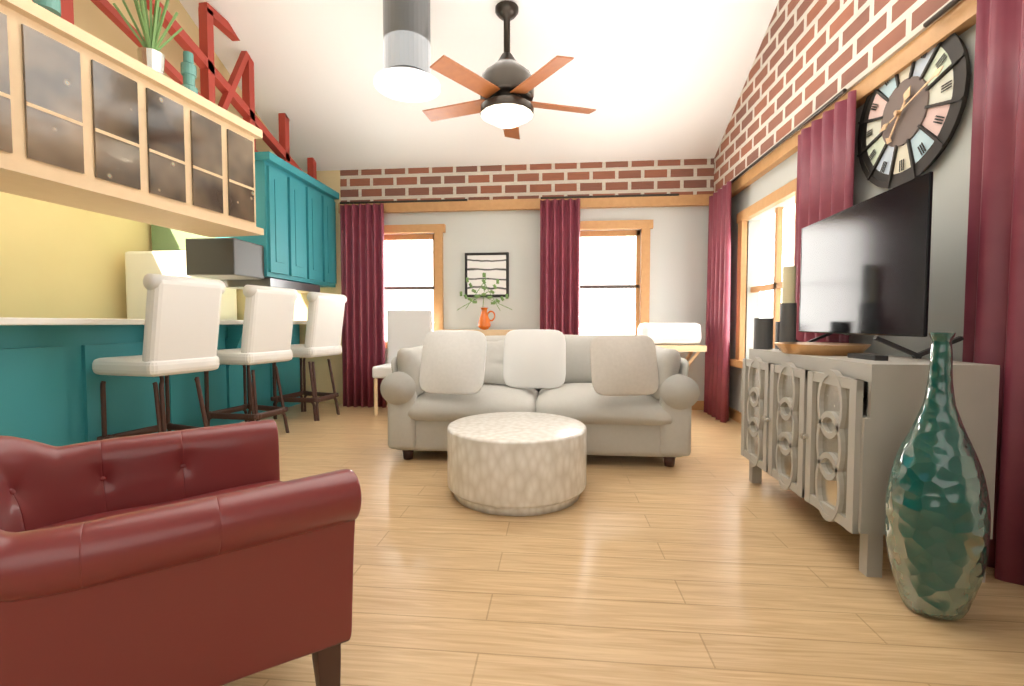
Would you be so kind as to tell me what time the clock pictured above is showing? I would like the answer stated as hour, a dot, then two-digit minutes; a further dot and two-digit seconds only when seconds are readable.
7.12
